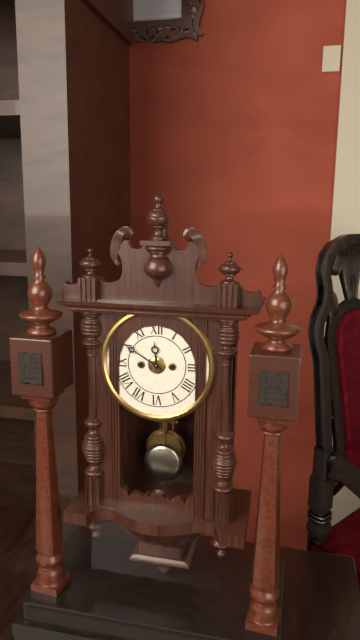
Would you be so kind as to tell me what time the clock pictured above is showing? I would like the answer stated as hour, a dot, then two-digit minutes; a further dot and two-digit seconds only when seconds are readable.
11.50
